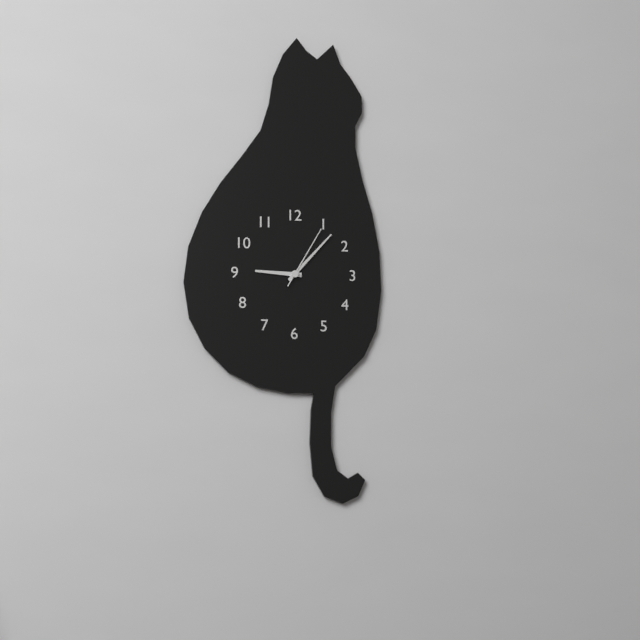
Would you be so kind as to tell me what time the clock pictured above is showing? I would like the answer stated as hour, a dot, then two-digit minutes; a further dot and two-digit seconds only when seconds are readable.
9.07.05
